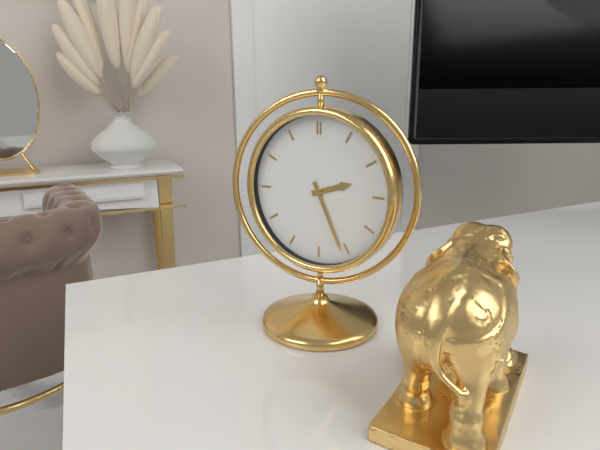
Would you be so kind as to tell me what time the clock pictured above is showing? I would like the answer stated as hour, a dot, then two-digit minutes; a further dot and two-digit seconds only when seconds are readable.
2.26
